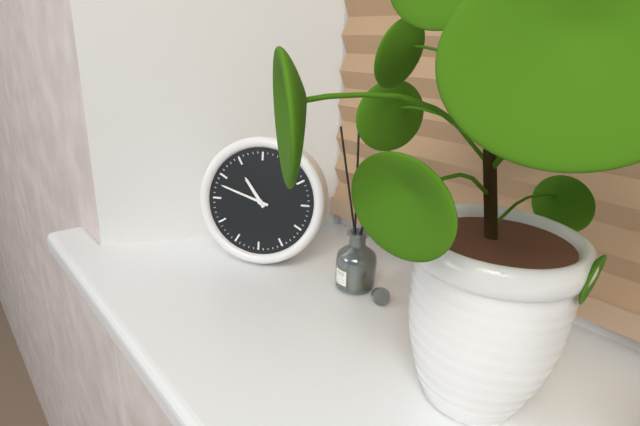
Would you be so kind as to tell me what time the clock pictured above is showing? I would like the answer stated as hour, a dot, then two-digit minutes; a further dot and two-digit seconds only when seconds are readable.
10.48
